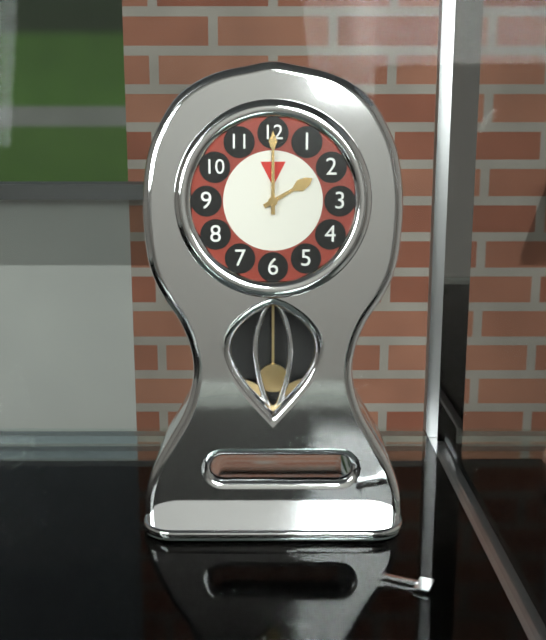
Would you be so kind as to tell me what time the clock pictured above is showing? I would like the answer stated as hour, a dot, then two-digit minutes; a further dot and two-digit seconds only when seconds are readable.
2.00
